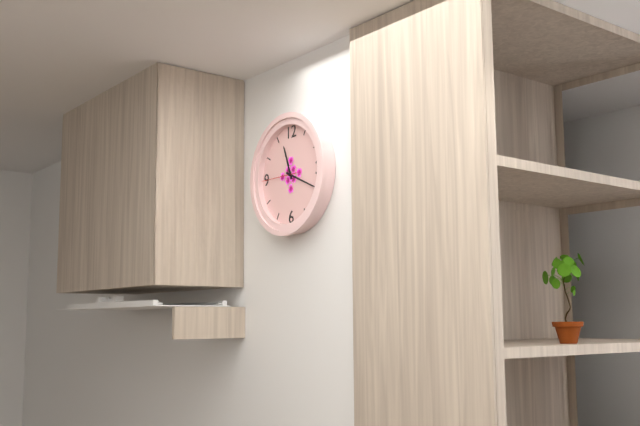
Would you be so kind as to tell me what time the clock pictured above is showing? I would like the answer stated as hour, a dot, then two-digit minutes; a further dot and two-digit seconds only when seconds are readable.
11.19
